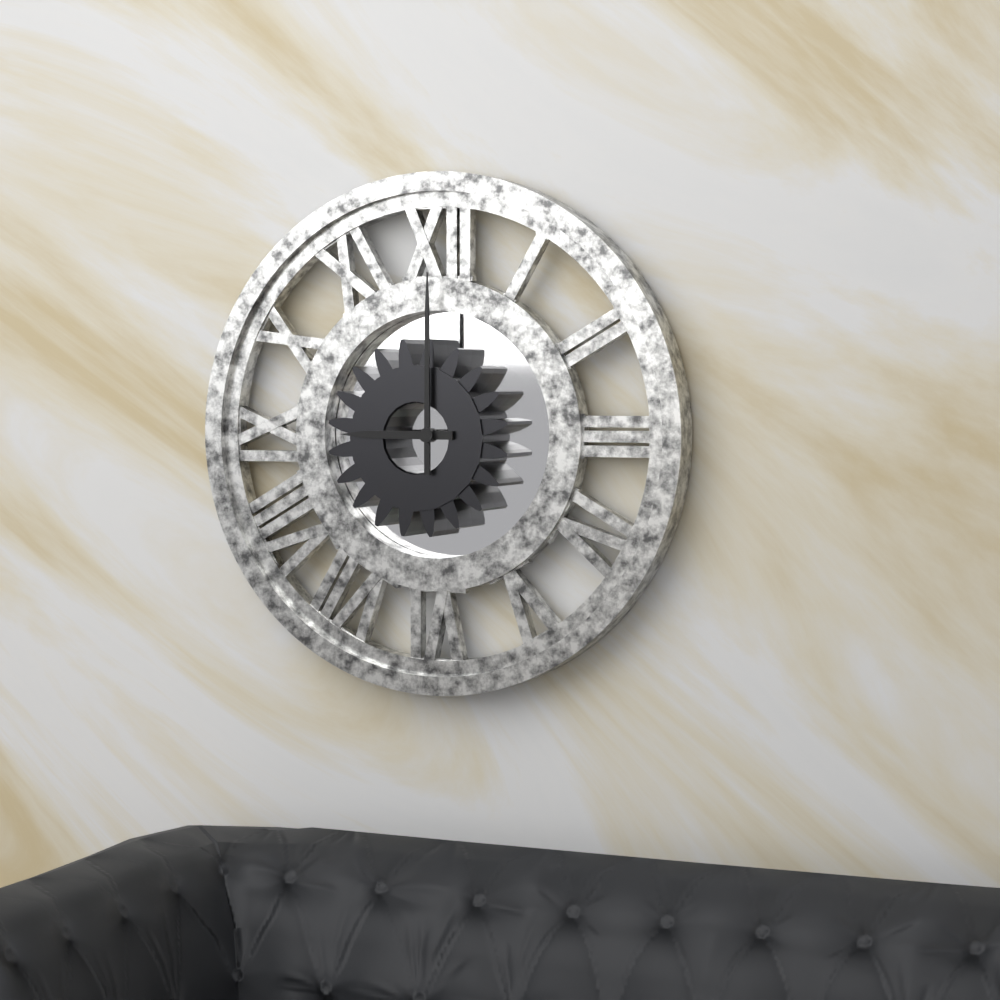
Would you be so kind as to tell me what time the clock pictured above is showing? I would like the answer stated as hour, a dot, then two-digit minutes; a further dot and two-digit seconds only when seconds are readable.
9.00
